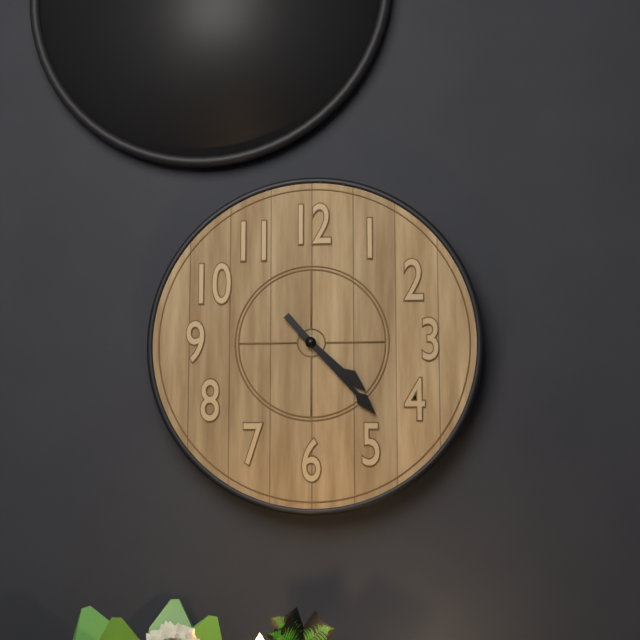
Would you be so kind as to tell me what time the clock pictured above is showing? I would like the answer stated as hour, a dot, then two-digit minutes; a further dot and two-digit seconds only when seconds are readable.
4.23
